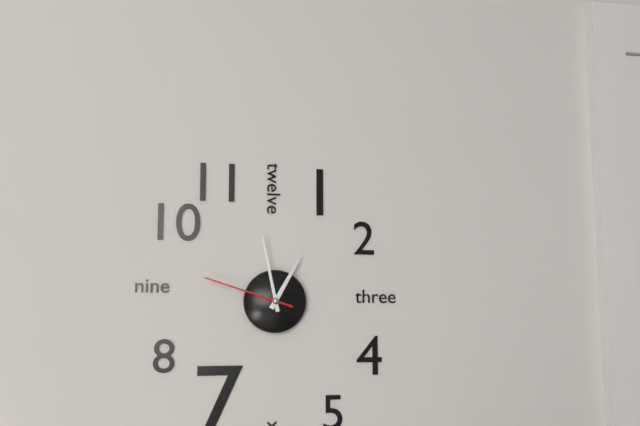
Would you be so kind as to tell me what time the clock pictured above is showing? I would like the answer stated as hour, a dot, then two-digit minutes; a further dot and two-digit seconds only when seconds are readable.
12.58.48
